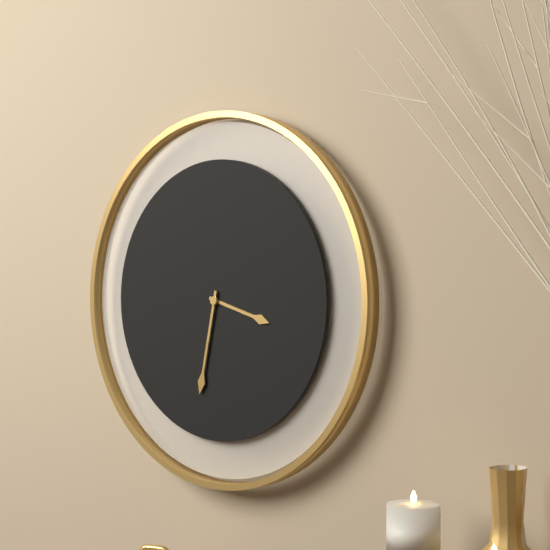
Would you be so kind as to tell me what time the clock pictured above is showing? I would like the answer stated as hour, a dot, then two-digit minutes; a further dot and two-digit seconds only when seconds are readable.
3.32
